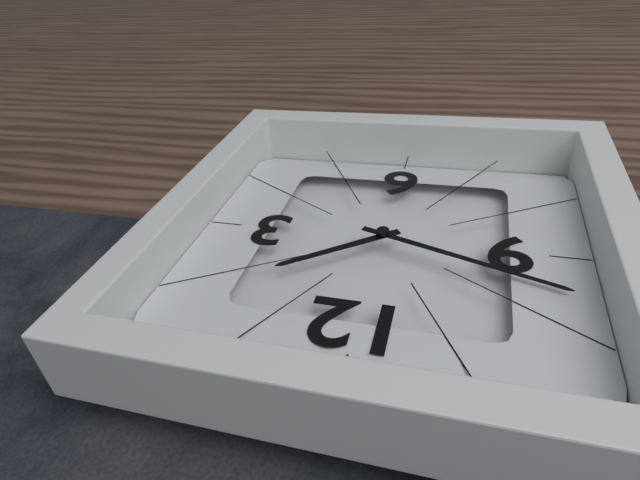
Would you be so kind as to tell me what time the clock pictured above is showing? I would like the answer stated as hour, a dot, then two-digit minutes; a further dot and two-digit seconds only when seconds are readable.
1.48
